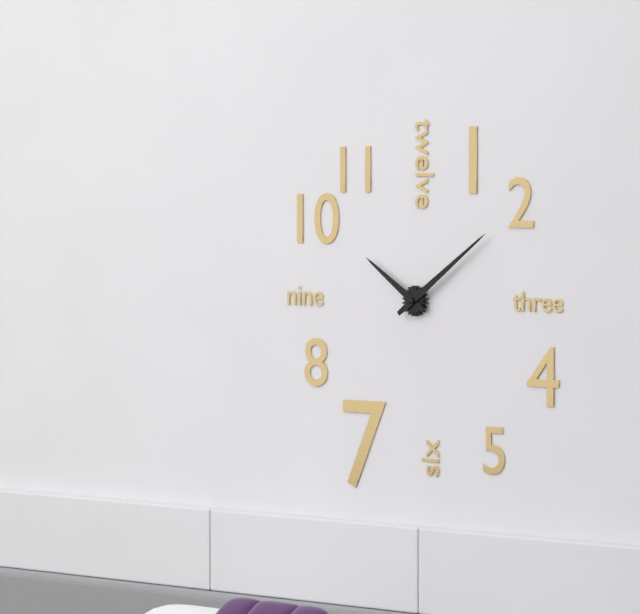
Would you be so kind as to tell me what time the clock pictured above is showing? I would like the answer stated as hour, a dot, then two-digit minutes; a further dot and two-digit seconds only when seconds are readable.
10.09
